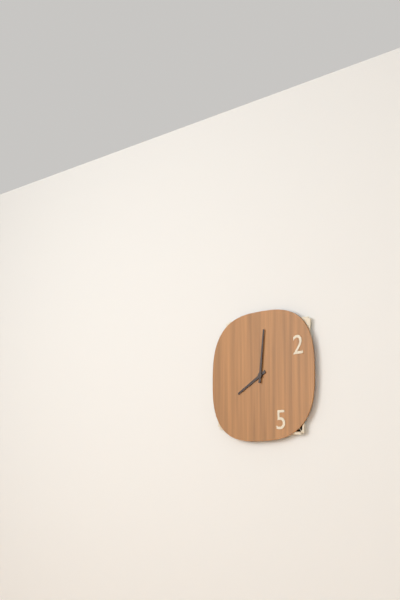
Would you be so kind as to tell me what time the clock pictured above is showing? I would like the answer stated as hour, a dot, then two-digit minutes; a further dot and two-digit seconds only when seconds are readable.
8.01
